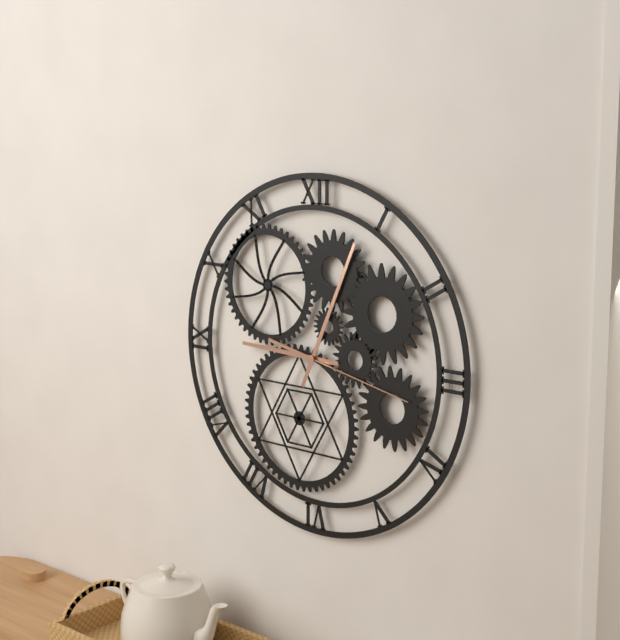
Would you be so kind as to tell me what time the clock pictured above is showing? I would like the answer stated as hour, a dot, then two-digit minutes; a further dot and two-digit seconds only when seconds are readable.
9.04.17
